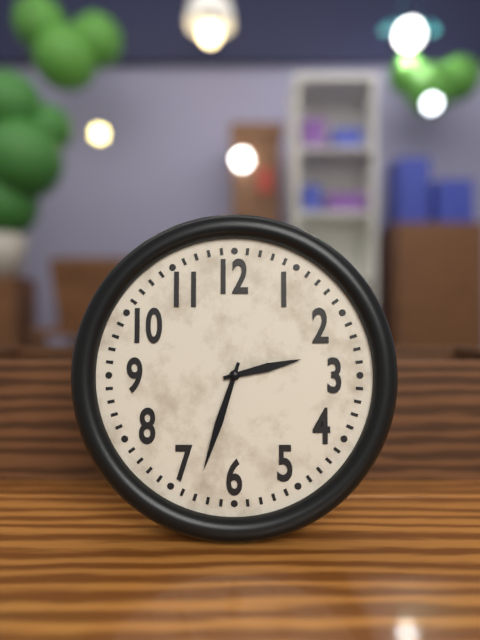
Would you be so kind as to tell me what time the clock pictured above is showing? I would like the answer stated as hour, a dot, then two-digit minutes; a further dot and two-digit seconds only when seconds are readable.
2.33
